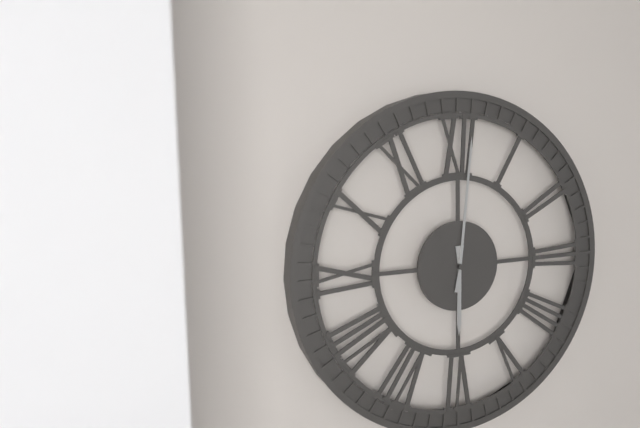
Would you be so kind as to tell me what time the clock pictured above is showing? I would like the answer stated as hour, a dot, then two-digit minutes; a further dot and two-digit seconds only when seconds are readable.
6.01
